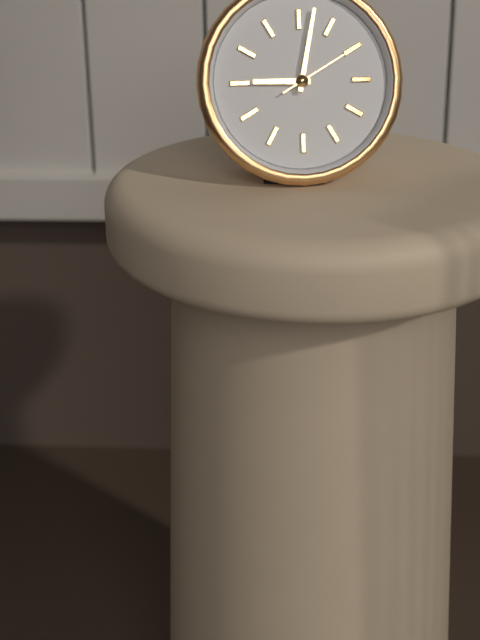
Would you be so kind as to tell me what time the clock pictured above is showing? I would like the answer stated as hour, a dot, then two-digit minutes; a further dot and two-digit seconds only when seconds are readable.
9.02.10
